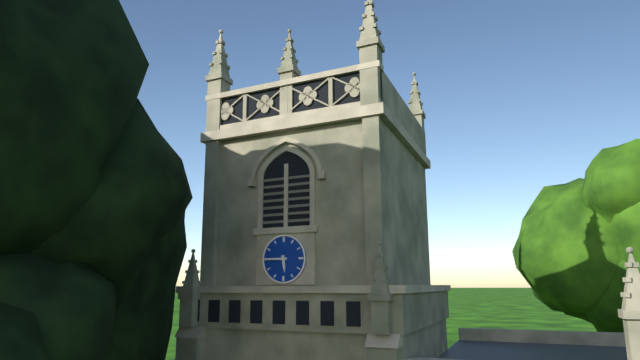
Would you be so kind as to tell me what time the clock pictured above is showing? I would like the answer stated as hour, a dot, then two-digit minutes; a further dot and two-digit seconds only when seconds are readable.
5.45
